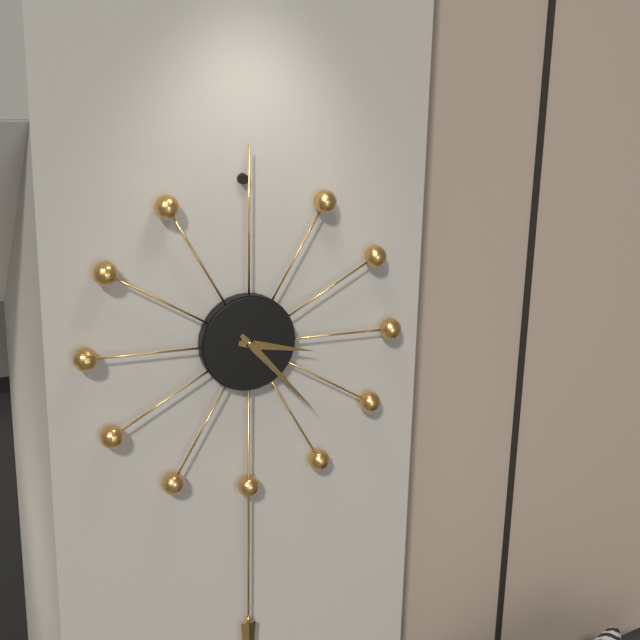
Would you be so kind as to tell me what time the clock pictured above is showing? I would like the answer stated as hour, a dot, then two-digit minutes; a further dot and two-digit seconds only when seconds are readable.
3.23
